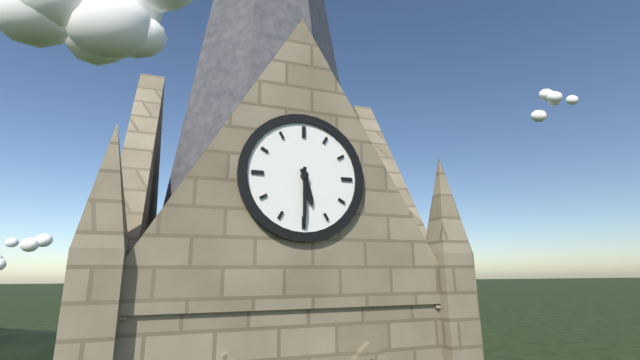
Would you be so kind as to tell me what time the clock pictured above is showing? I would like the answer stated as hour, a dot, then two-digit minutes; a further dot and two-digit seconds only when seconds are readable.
5.30
